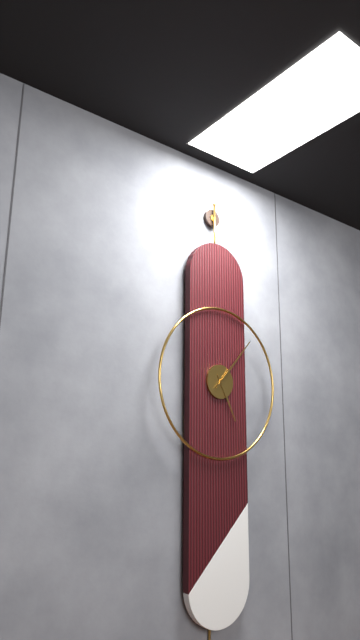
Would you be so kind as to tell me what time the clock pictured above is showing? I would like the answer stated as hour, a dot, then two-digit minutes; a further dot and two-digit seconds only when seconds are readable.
5.07
